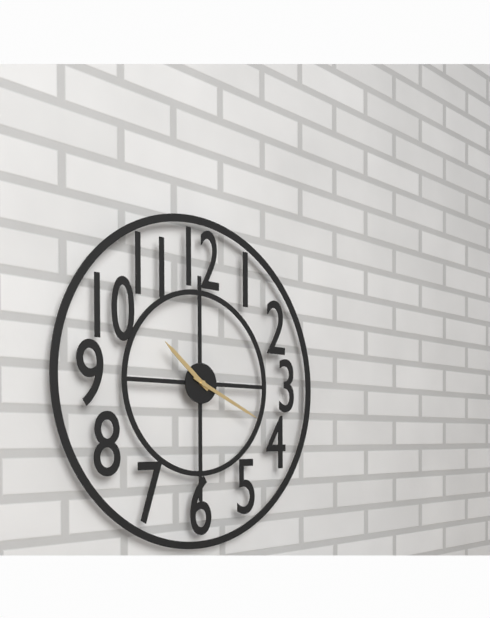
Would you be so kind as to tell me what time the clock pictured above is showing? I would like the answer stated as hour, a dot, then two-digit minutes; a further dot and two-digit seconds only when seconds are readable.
10.19
